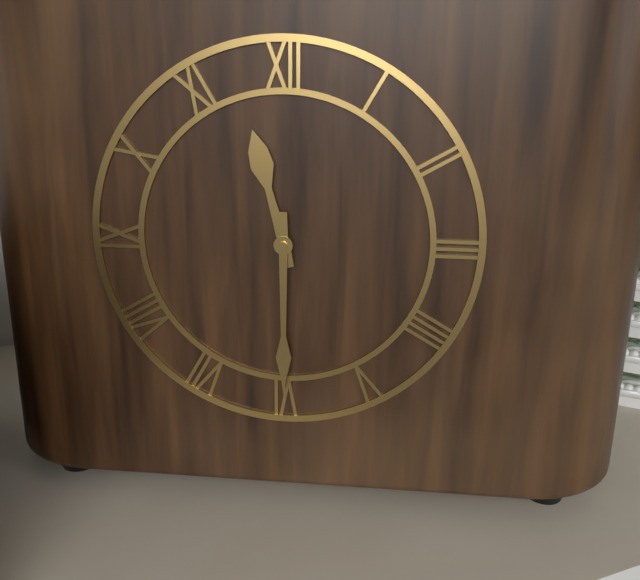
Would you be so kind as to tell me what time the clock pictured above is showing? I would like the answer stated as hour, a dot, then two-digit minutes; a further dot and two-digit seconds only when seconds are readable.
11.30
